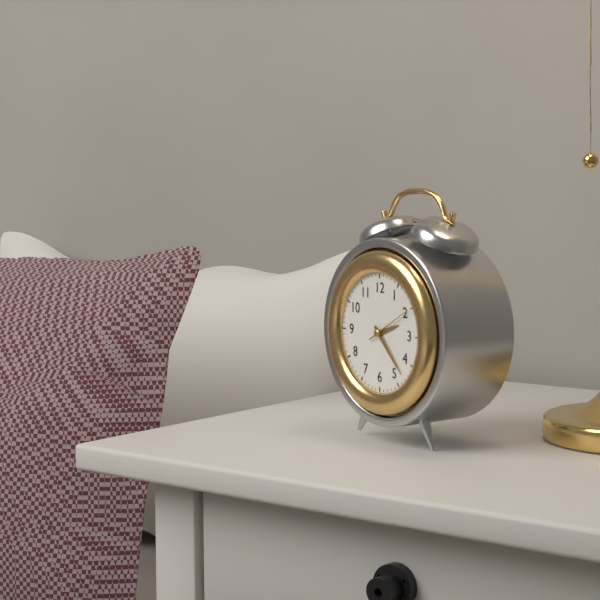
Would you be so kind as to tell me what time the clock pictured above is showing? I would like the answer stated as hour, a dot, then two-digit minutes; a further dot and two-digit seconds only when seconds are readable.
2.23
